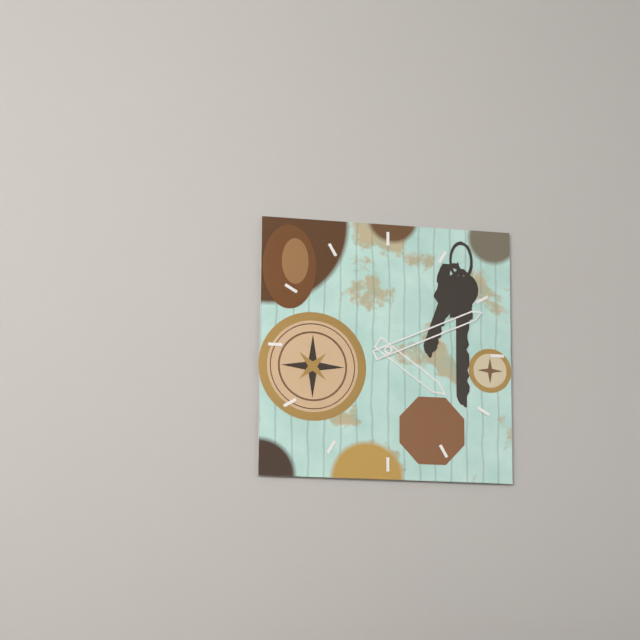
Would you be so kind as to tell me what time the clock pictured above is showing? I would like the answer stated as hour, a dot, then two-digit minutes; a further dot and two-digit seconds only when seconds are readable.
4.11
